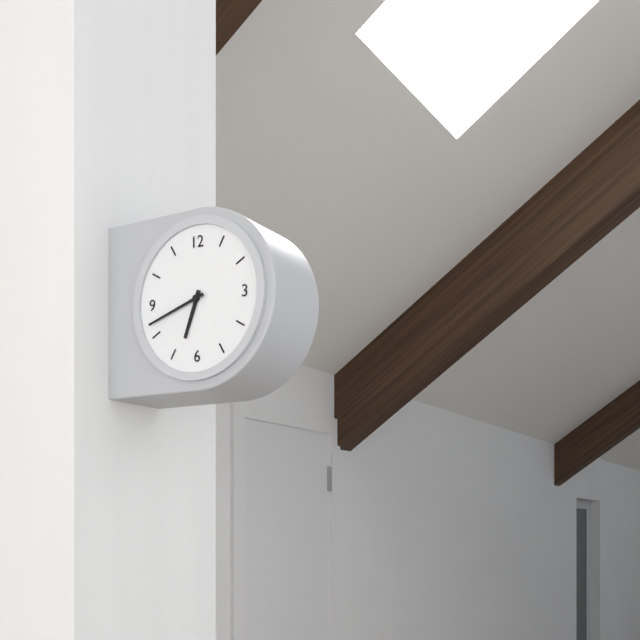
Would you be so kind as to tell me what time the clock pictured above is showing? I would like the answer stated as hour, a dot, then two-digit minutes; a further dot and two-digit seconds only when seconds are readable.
6.42
